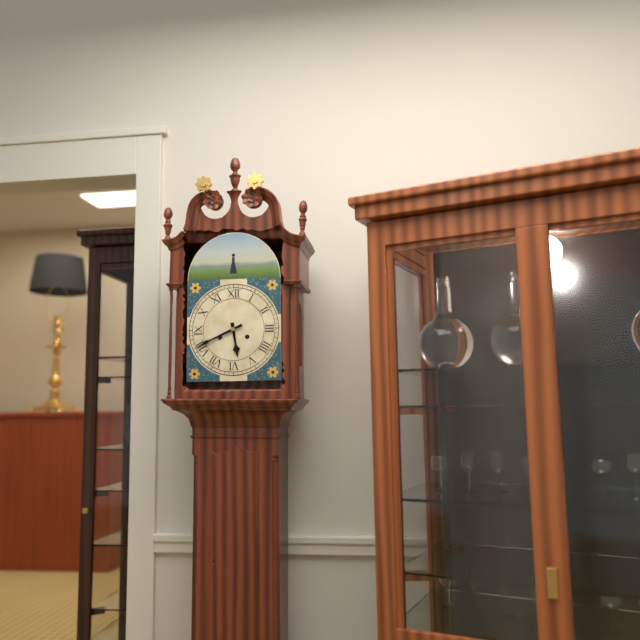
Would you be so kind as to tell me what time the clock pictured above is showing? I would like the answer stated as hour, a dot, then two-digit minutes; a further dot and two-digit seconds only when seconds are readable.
5.41
